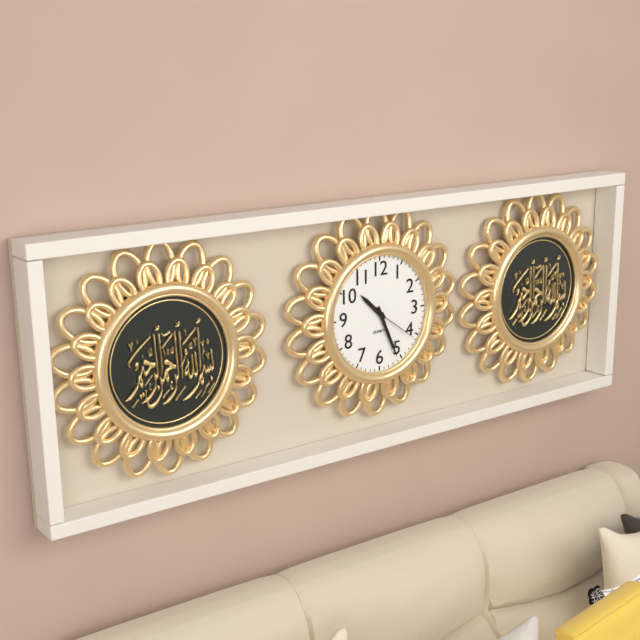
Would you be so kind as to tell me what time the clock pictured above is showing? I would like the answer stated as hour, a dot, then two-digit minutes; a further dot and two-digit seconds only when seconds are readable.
10.26.21
